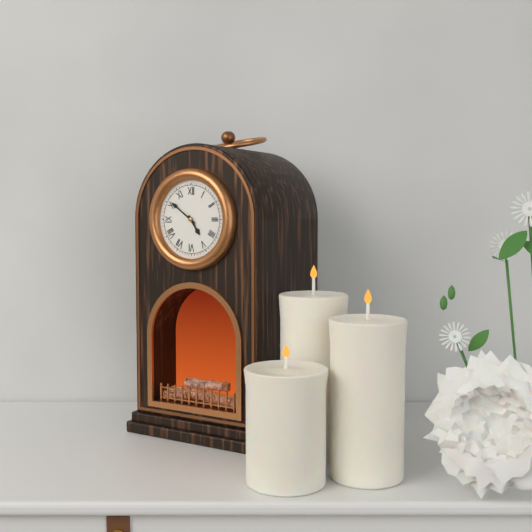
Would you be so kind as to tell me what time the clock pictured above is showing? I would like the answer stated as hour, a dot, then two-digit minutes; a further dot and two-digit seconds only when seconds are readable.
4.51
